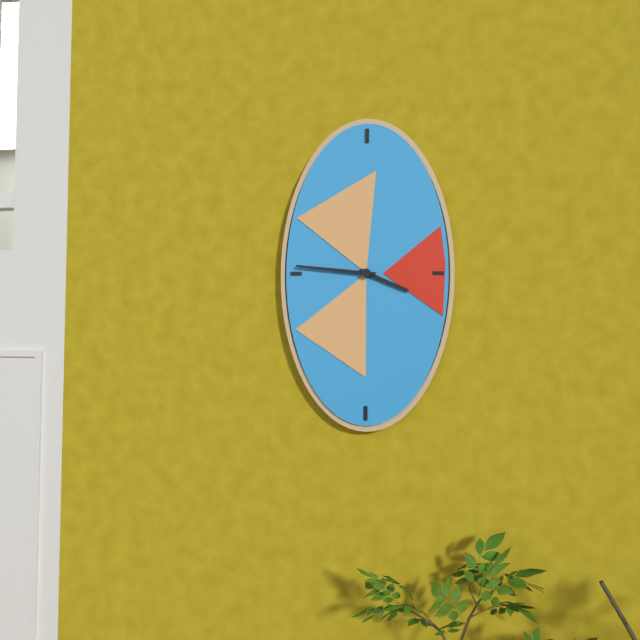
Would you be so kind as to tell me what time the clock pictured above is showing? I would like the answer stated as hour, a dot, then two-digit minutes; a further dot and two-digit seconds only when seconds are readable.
3.46
